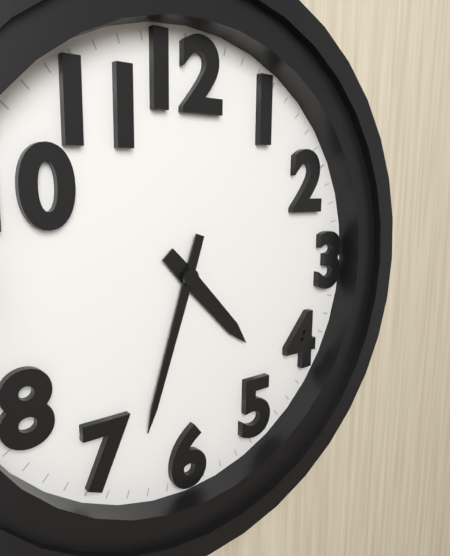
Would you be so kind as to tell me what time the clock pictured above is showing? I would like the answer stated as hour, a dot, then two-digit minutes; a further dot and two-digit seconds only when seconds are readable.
4.33
